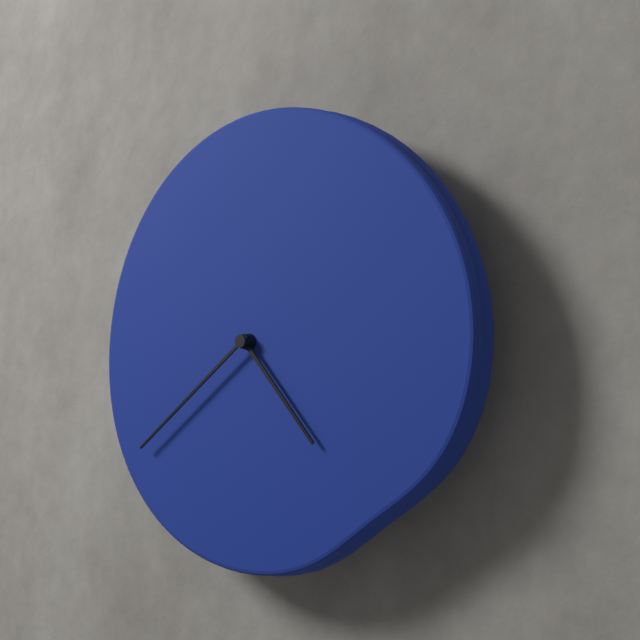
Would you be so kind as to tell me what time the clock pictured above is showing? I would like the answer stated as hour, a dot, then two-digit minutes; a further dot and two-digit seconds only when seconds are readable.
4.39
